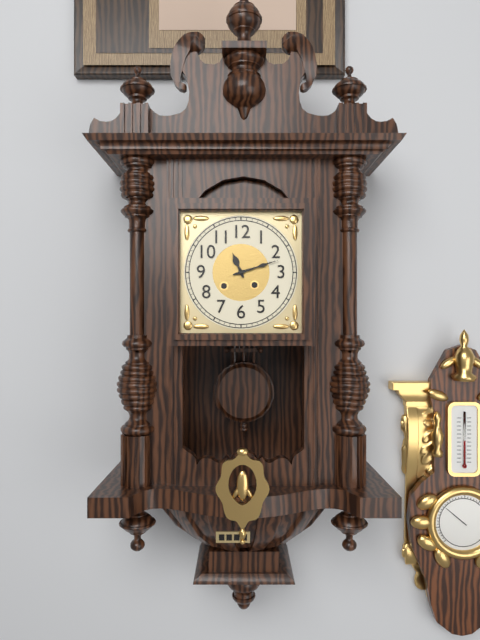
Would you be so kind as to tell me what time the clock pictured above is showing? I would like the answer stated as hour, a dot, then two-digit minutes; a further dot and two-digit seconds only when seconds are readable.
11.12
